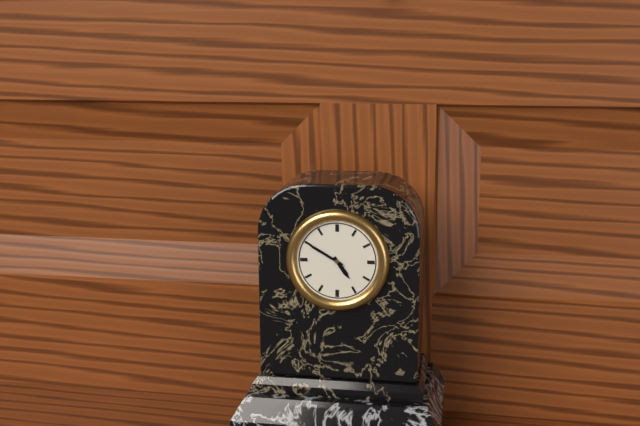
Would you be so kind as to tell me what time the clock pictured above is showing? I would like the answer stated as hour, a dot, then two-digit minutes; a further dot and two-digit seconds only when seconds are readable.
4.50
